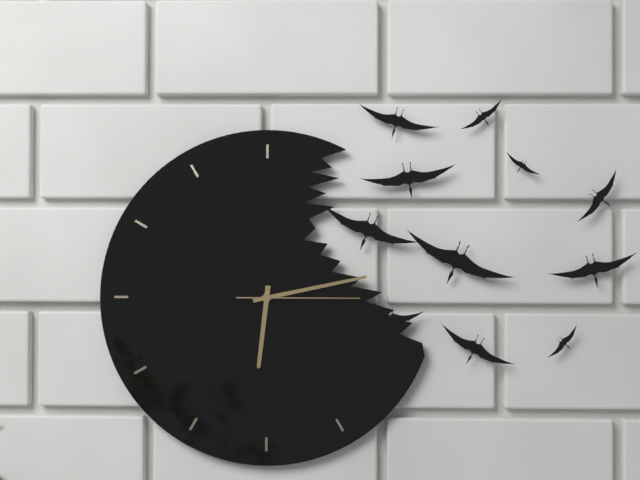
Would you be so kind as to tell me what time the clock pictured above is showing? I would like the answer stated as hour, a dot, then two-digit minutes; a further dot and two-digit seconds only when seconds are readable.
6.13.15
